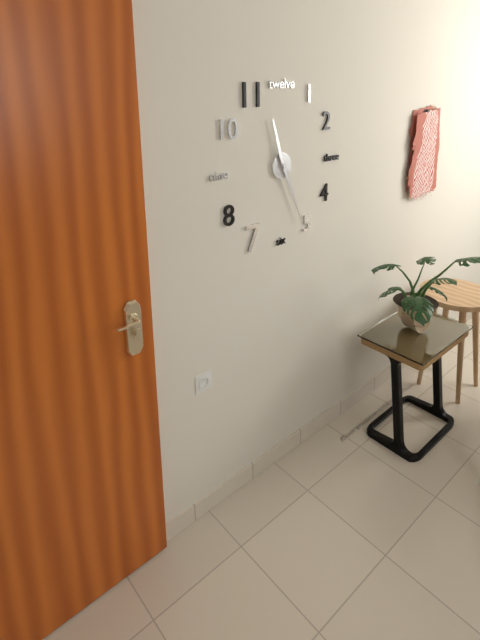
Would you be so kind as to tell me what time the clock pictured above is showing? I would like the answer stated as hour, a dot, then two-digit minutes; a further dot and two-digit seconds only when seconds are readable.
11.26
